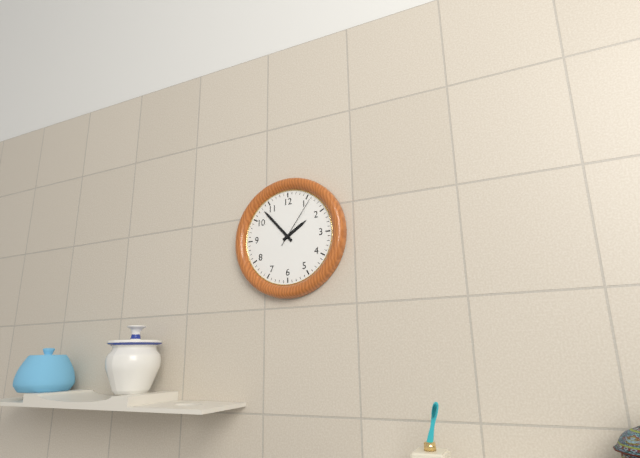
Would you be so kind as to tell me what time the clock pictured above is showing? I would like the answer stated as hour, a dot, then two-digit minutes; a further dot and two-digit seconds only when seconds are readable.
1.53.06
